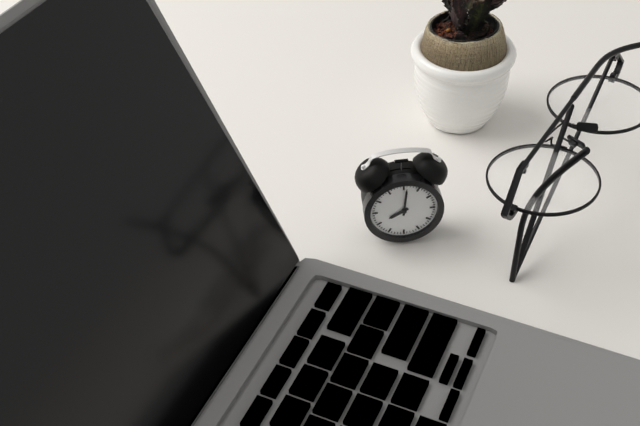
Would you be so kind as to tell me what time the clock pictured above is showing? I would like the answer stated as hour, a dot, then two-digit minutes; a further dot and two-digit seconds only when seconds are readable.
8.01
